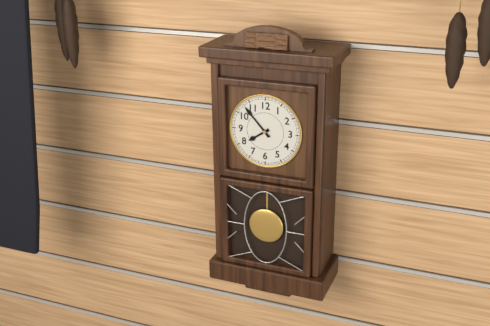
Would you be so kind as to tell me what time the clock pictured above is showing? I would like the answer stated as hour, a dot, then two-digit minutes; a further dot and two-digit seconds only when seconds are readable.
7.53
